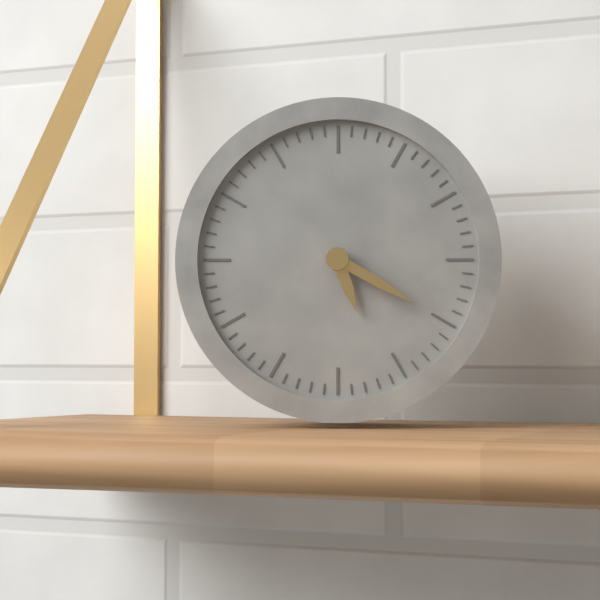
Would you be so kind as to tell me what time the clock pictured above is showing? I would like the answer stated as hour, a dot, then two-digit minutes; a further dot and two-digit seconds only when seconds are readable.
5.20
